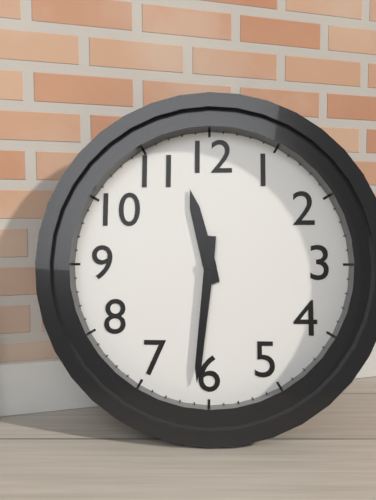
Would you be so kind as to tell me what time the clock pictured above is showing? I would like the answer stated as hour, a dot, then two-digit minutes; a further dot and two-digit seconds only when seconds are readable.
11.31
